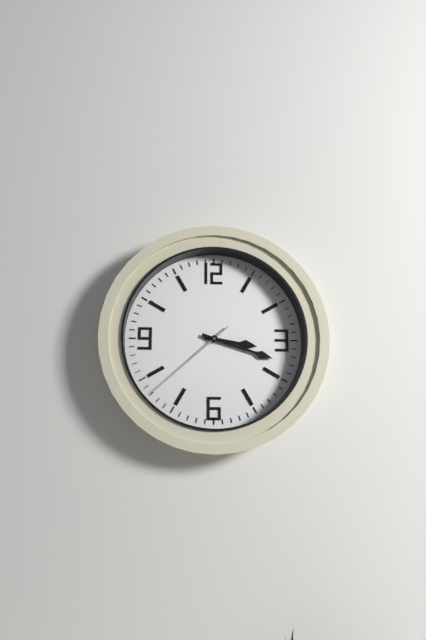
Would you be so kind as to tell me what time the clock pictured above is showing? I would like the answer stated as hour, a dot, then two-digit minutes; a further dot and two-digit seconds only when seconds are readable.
3.18.38
